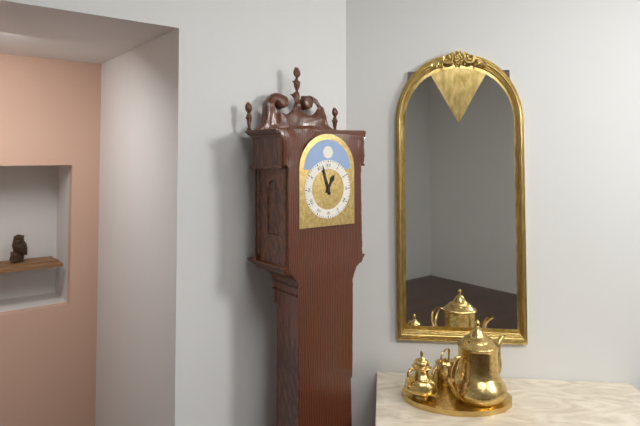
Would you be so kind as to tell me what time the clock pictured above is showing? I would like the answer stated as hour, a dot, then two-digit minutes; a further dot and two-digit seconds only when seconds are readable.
12.57
